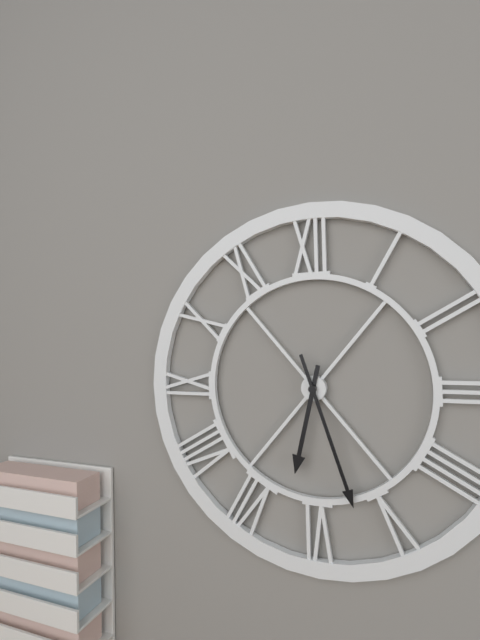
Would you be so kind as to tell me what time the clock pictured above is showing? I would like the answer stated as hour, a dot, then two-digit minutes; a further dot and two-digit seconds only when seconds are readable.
6.27
